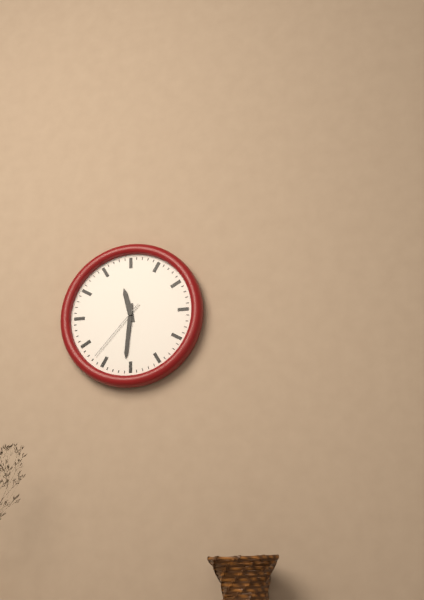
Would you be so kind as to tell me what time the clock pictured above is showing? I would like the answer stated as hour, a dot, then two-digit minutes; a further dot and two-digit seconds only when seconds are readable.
11.31.37
